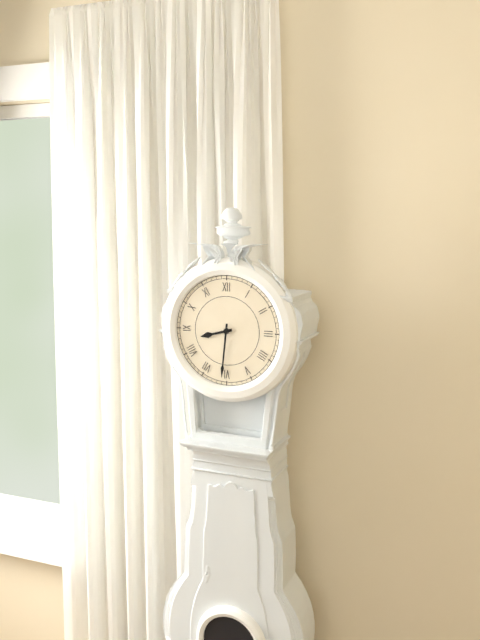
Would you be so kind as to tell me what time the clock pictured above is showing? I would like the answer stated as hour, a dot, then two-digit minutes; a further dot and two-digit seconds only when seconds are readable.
8.31
